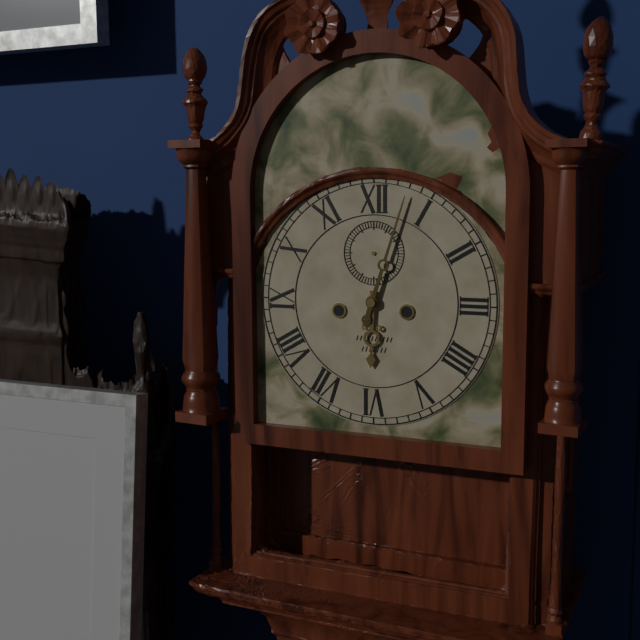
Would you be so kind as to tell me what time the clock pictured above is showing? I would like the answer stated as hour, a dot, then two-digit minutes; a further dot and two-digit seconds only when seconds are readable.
6.03
